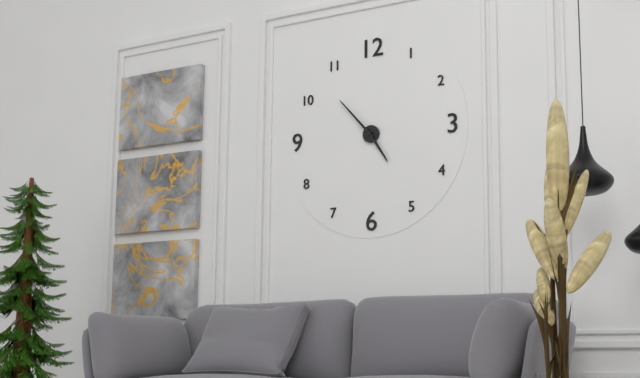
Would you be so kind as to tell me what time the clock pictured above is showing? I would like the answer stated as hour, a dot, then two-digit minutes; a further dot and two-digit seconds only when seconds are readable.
4.53
